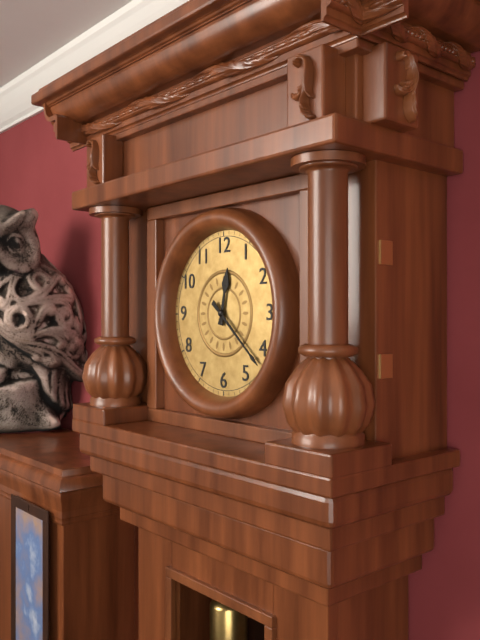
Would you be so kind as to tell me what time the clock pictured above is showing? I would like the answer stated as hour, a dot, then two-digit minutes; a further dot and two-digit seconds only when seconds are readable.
12.22
